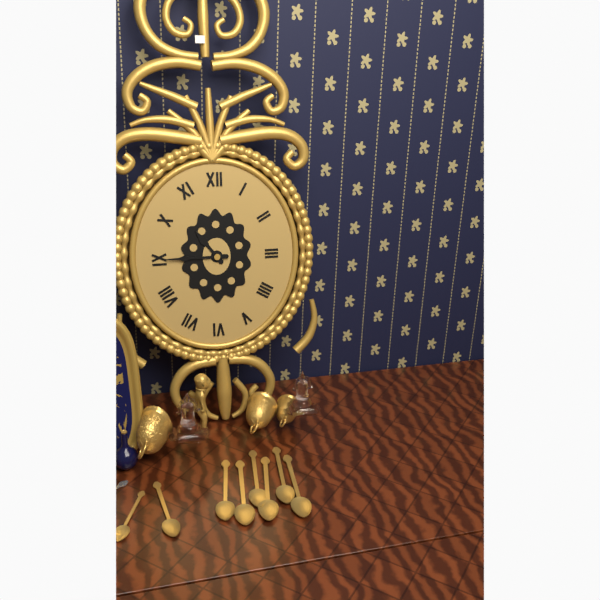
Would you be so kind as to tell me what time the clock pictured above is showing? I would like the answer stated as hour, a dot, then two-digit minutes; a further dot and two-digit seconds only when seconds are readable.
10.45
